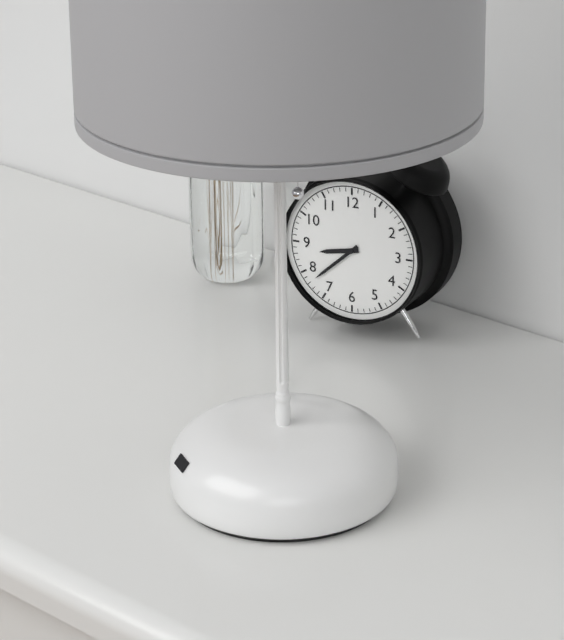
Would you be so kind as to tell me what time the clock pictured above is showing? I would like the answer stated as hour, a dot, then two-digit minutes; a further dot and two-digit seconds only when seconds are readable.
8.38
